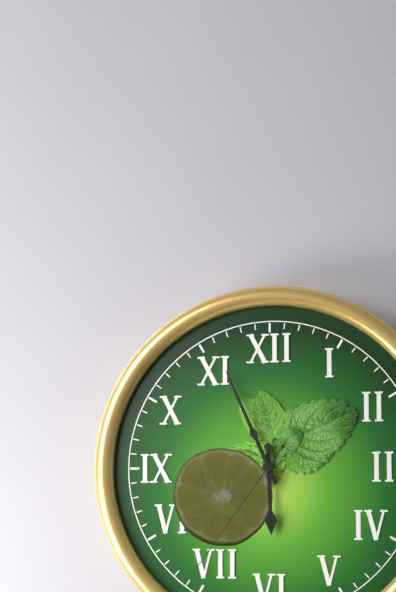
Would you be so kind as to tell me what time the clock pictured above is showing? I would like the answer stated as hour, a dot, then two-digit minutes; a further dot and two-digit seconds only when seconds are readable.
5.56.36
